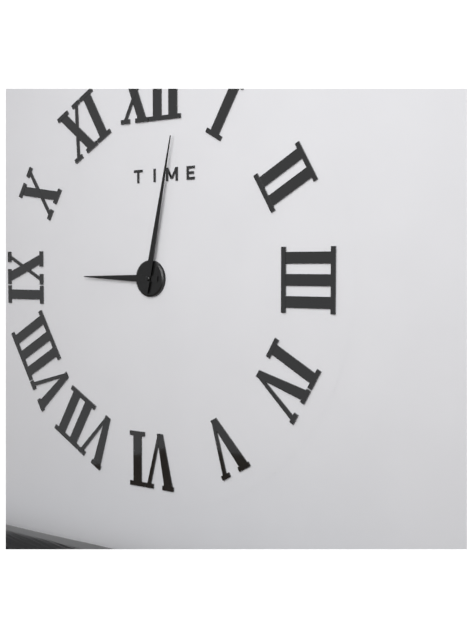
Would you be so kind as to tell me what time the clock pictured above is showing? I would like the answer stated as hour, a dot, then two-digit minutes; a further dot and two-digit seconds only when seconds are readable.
9.02
